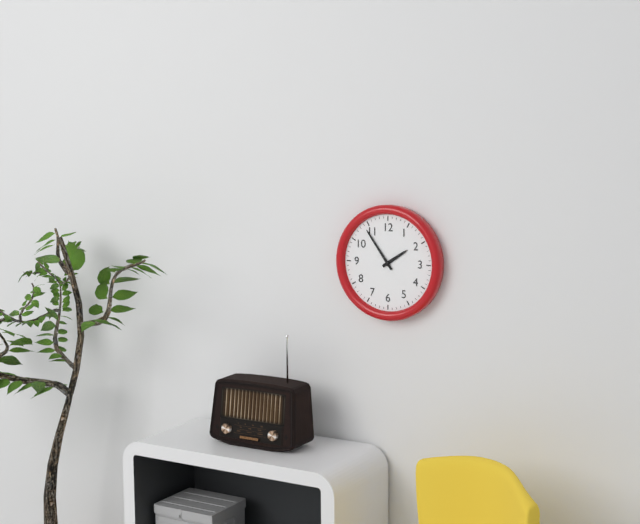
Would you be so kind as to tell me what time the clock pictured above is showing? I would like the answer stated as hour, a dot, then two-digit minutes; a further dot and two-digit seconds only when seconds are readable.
1.54
